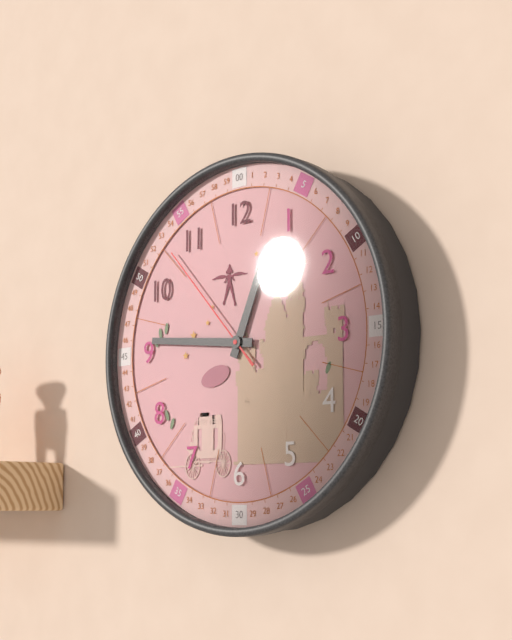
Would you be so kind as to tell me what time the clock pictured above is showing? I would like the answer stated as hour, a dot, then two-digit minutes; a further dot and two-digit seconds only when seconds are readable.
12.46.53
